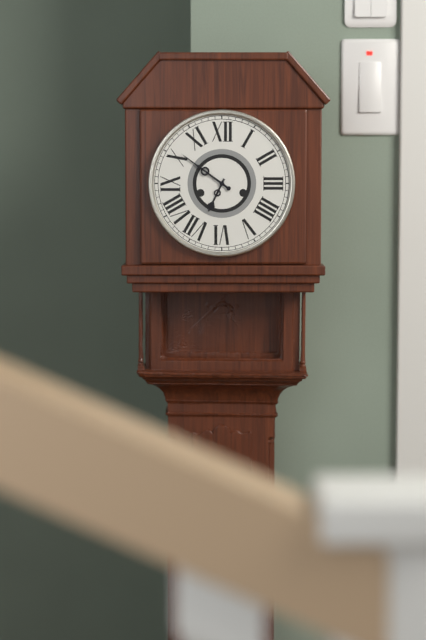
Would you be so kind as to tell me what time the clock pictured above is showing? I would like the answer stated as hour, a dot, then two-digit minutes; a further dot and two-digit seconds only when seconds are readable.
6.51
